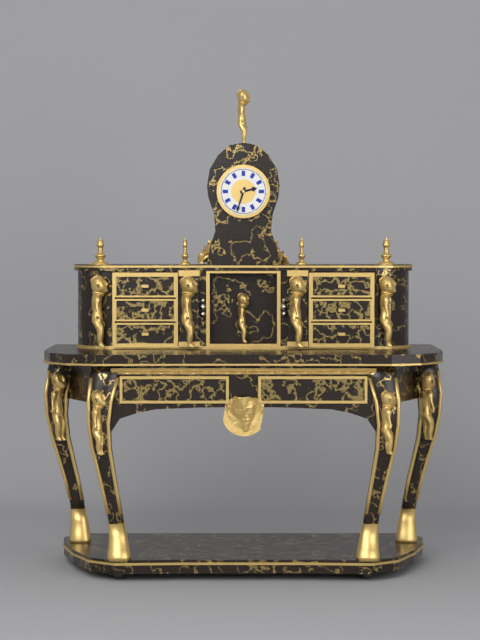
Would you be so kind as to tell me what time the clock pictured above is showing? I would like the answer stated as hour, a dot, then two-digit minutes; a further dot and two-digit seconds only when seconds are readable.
2.33
